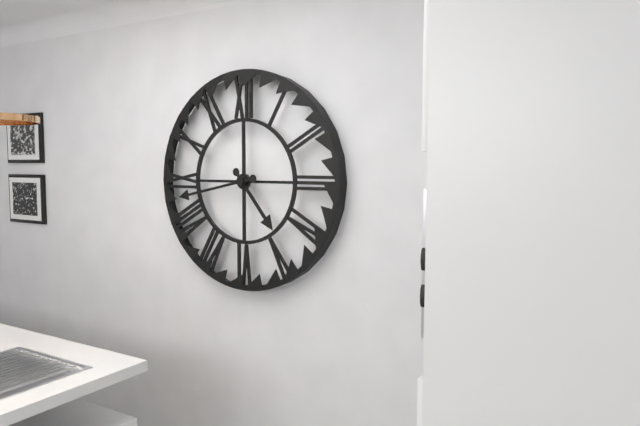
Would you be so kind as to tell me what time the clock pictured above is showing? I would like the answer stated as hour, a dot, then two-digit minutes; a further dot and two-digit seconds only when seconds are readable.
4.43
